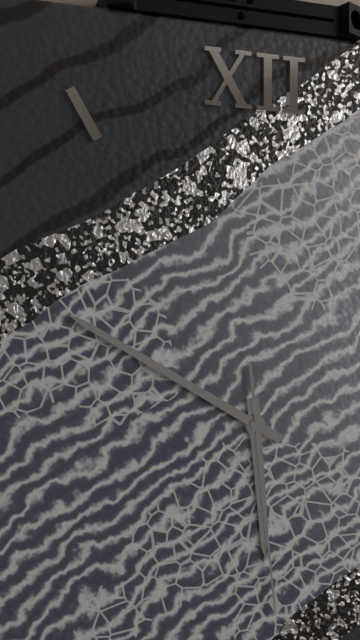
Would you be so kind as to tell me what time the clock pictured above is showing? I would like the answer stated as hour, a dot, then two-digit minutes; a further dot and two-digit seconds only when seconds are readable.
5.50.29
